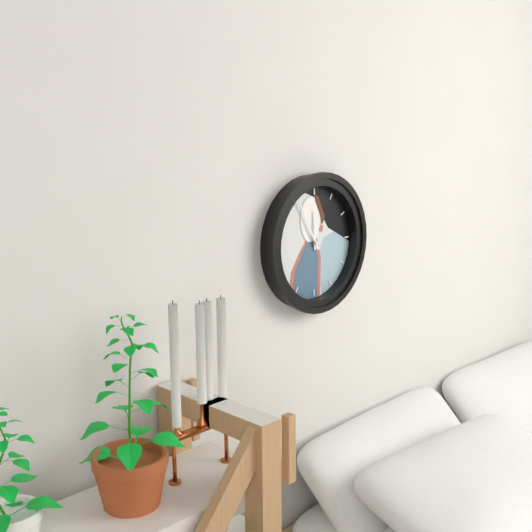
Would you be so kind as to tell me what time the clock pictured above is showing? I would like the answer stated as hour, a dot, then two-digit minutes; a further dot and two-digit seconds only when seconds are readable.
11.55
